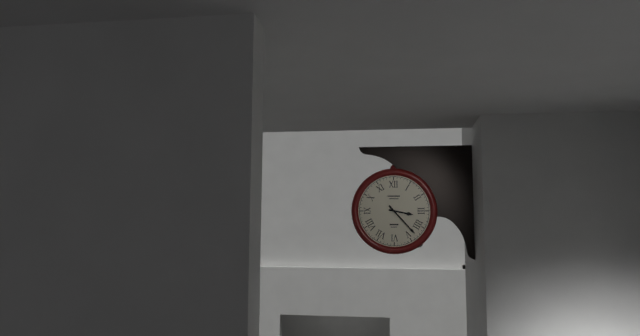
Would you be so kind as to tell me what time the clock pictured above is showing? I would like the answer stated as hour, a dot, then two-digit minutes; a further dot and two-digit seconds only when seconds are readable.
3.23
